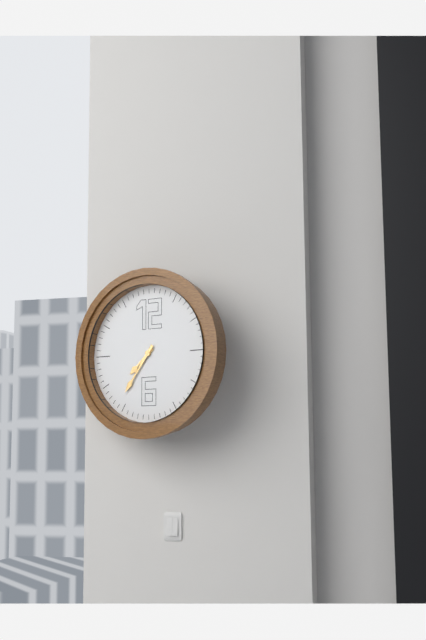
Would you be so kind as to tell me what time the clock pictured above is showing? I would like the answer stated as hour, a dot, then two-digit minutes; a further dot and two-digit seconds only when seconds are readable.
7.36
